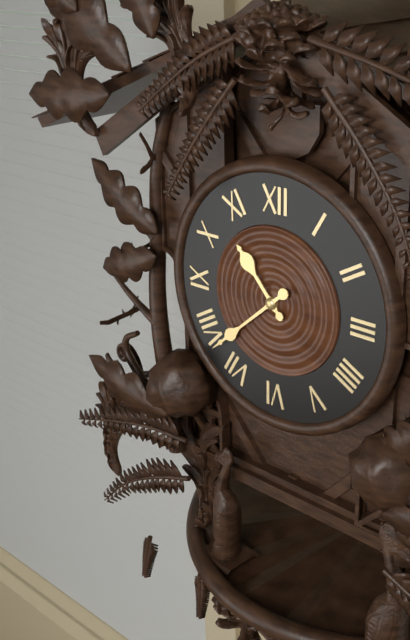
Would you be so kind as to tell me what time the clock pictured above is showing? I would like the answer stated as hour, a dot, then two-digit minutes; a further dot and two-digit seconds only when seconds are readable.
10.38
